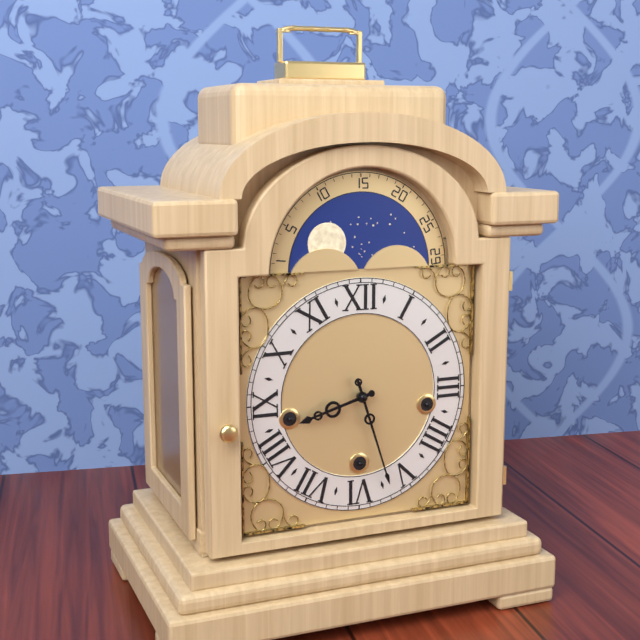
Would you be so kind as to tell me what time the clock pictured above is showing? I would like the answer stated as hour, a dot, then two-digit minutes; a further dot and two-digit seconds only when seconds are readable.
8.27
